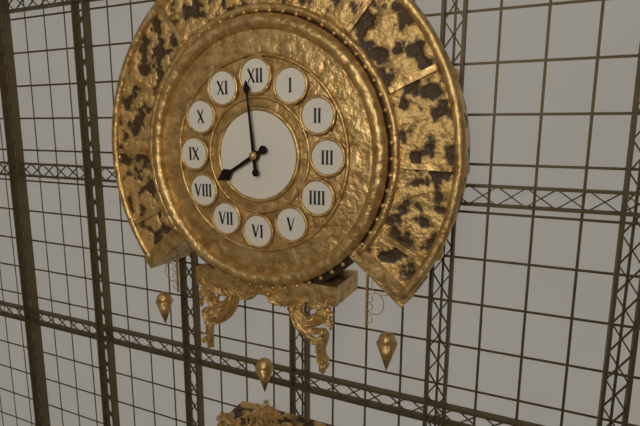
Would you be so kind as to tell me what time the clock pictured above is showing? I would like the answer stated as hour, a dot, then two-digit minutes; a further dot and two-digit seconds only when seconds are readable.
7.59
